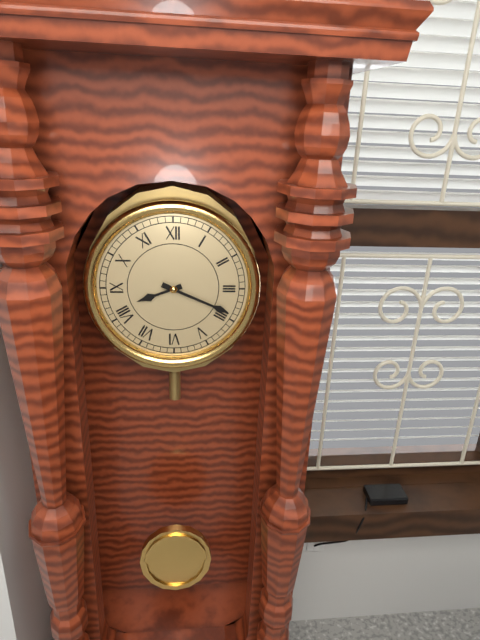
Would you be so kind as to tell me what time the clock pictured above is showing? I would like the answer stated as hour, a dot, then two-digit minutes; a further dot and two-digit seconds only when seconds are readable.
8.19
